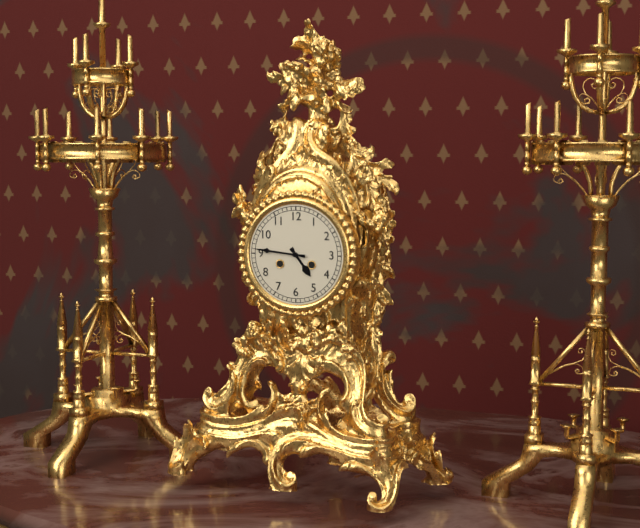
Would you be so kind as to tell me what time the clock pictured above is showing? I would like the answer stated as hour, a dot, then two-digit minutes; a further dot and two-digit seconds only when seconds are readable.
4.46
